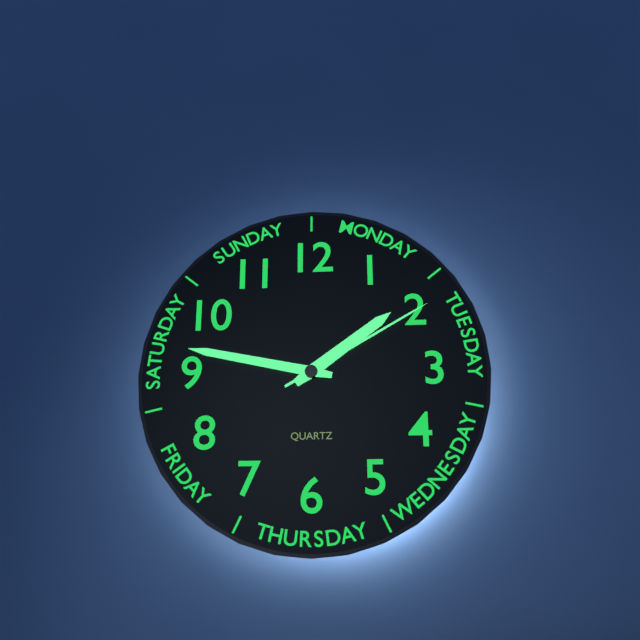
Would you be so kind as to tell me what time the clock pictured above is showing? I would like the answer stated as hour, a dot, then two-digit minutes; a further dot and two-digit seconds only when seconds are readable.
1.47.10
